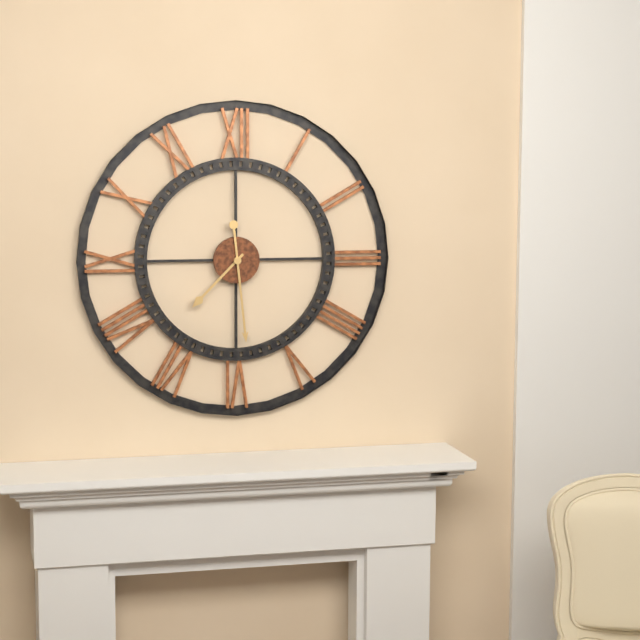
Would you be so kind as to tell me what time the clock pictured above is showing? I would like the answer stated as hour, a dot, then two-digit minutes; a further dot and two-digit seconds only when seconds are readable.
7.29
